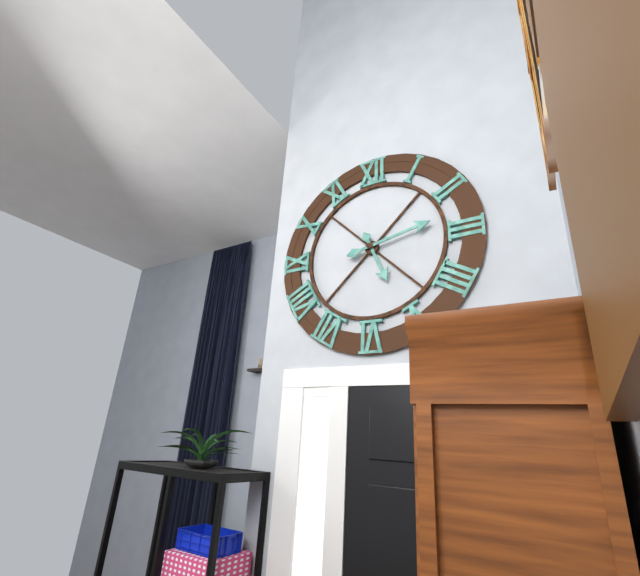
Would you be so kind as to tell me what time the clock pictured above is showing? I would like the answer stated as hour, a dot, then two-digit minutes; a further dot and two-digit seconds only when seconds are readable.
5.13
